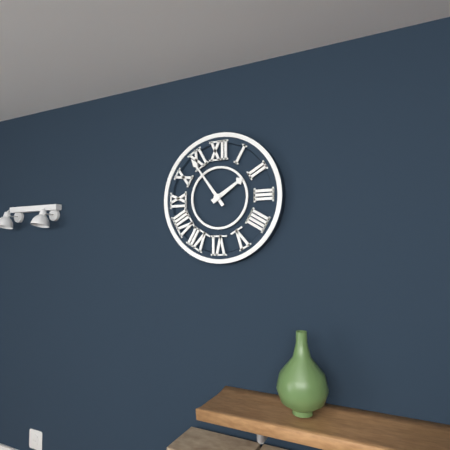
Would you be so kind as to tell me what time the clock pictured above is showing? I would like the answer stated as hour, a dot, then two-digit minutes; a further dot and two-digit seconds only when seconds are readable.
1.54
